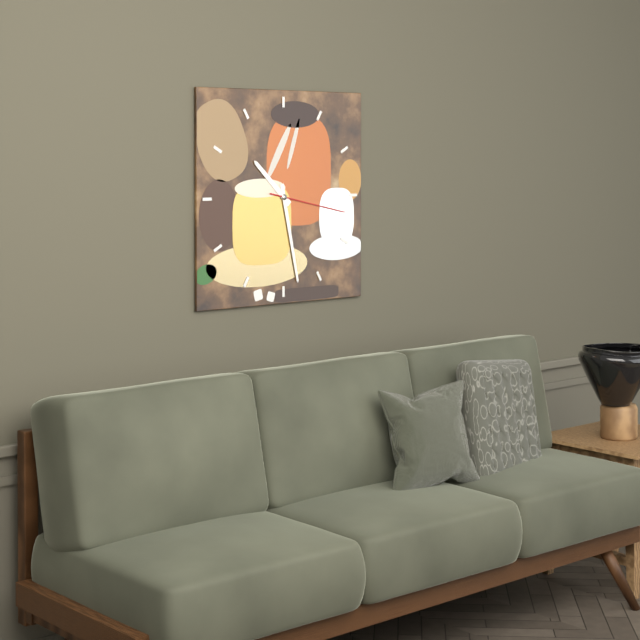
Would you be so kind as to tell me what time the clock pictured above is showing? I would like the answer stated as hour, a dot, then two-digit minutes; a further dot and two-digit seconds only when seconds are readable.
10.28.17
